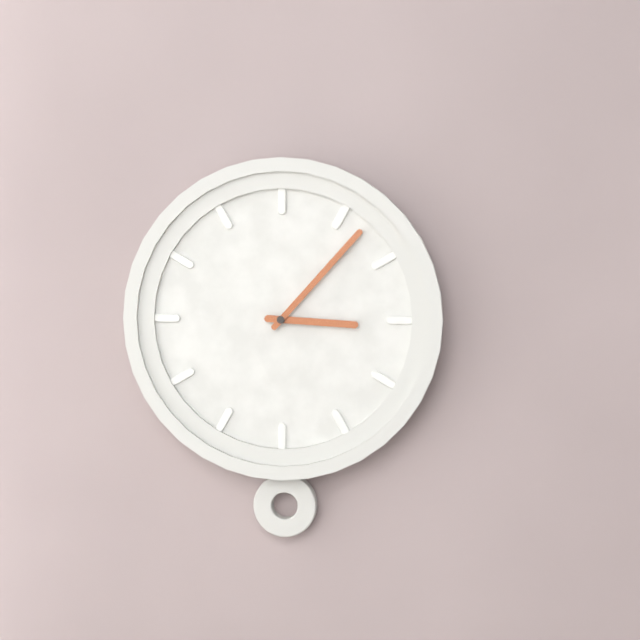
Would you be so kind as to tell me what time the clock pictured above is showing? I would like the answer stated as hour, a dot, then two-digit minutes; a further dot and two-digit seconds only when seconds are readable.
3.07
